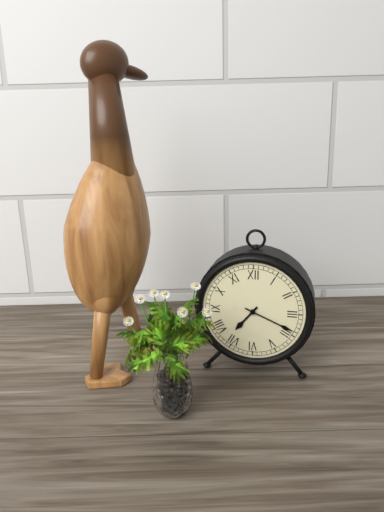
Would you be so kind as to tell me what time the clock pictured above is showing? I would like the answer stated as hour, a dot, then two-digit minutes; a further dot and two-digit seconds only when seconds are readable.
7.19
